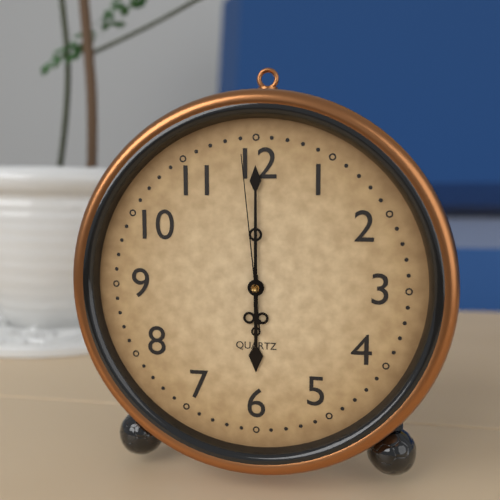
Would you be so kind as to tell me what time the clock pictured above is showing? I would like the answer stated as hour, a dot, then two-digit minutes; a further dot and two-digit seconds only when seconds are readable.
6.00.59
